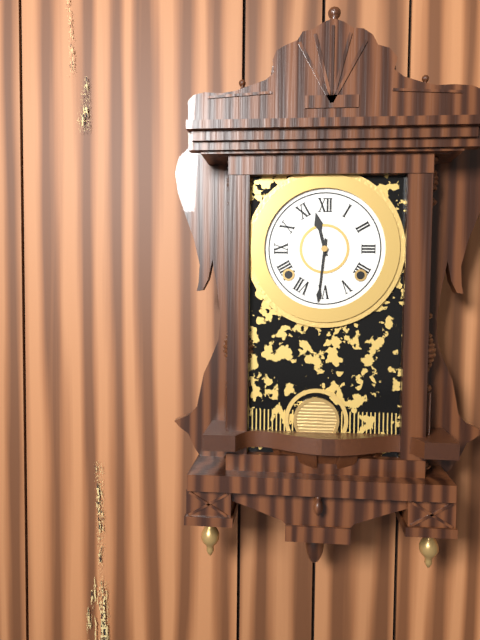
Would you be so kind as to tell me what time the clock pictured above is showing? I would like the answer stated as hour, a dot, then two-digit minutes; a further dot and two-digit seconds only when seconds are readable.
11.31
